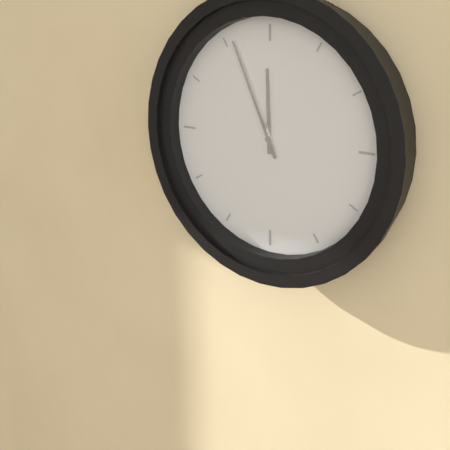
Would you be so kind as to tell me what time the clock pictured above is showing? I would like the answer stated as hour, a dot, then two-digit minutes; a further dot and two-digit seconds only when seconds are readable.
11.56
